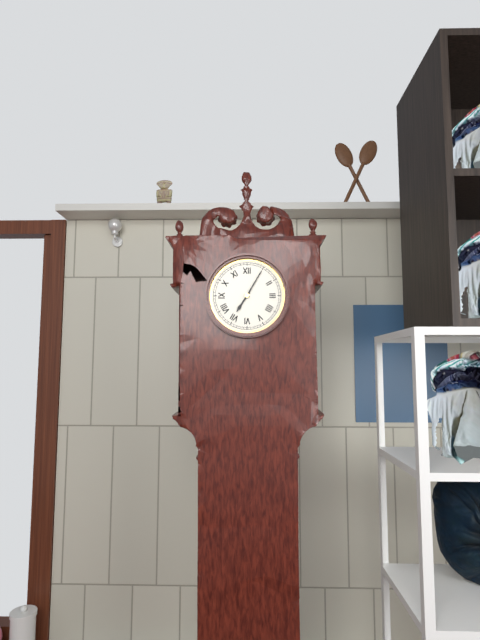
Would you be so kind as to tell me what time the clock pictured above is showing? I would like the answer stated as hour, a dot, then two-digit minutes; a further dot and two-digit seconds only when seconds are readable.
7.05
